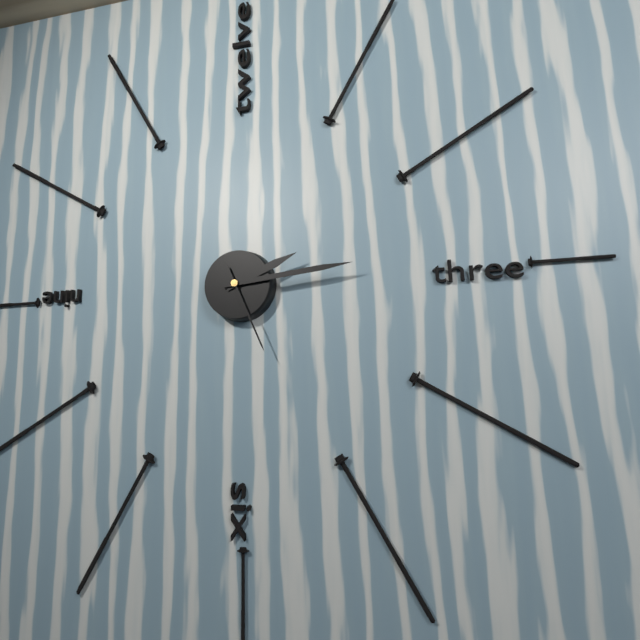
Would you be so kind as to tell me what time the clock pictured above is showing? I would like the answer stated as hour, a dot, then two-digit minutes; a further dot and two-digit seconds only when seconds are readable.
2.14.26
